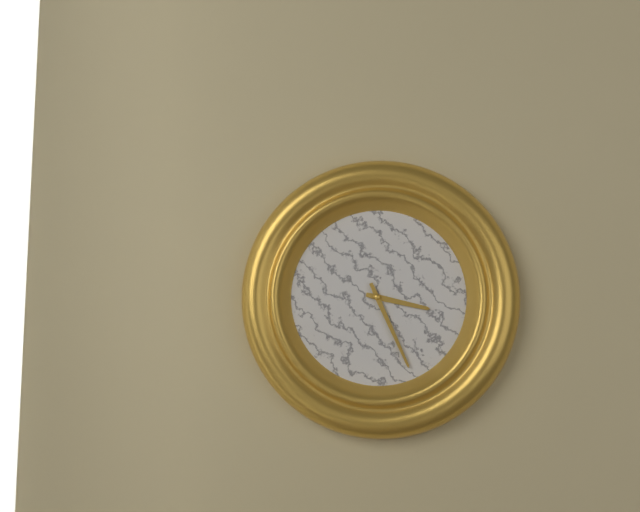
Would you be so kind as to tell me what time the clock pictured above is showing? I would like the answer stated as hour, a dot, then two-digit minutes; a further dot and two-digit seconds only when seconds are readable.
3.26
